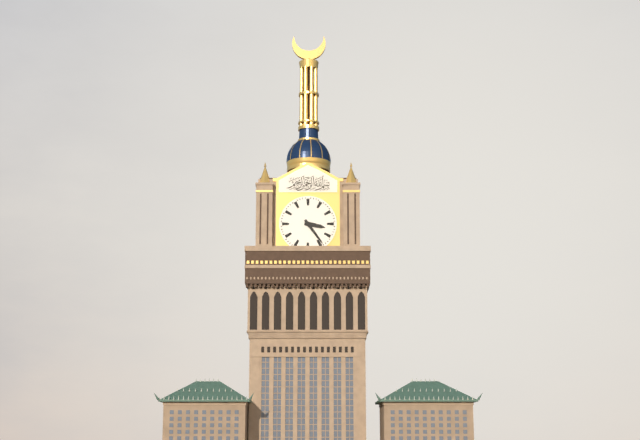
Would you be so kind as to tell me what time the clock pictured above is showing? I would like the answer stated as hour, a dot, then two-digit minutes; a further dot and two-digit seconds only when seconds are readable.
3.24
